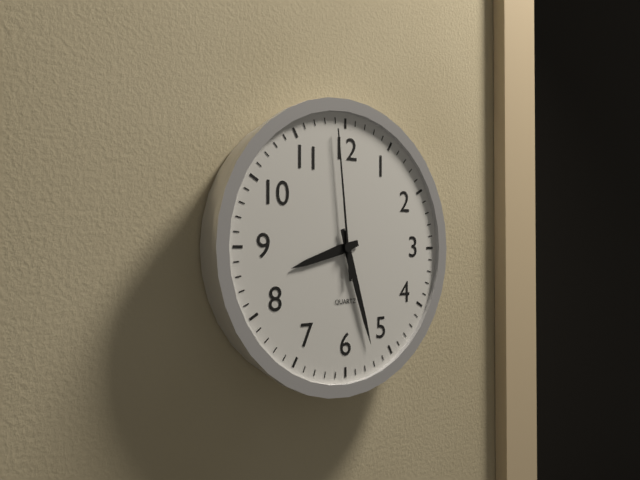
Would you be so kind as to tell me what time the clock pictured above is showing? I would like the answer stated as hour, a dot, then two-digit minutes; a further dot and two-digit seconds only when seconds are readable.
8.27.59
